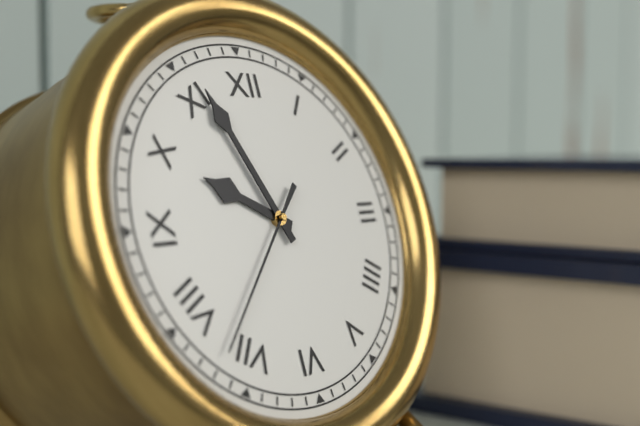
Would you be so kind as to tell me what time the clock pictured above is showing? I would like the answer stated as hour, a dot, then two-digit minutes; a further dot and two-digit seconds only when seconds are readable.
9.56.37
